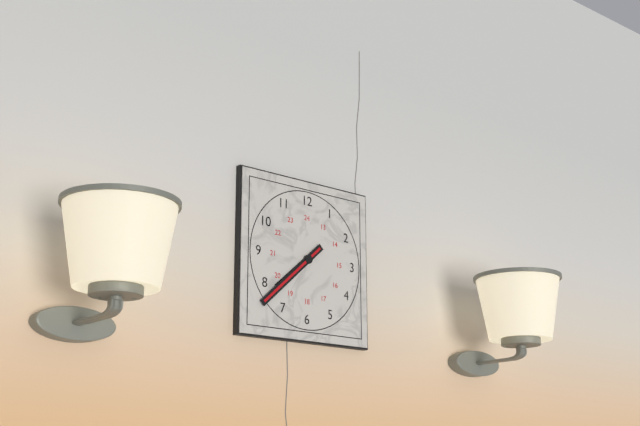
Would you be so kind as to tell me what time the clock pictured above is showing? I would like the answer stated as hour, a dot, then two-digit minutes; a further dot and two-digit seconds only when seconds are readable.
7.38
